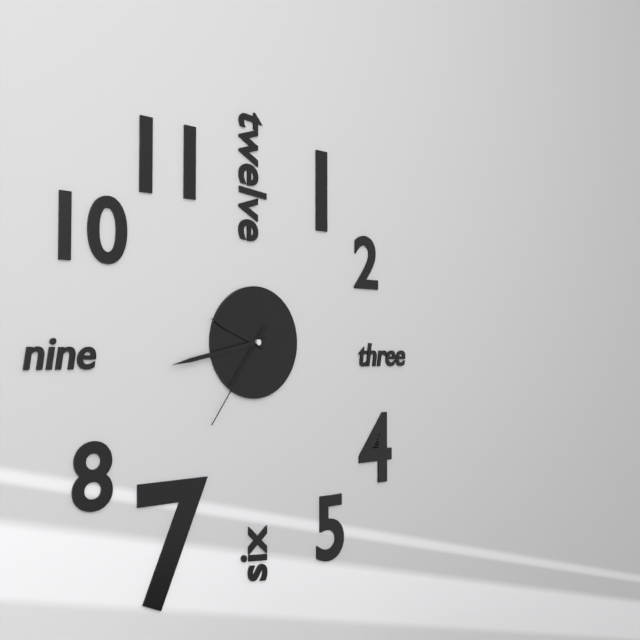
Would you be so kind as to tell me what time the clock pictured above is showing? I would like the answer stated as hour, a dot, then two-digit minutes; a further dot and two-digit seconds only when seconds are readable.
9.43.36
